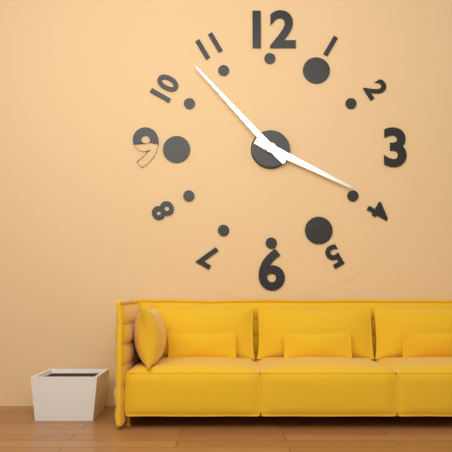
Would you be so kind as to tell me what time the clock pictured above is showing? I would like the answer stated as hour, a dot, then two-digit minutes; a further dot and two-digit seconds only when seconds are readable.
3.53
